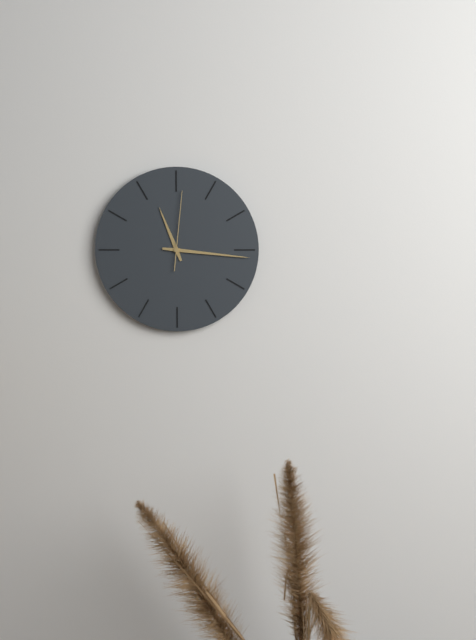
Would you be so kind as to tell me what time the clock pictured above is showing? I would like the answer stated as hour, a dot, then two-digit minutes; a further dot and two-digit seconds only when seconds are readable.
11.16.01
